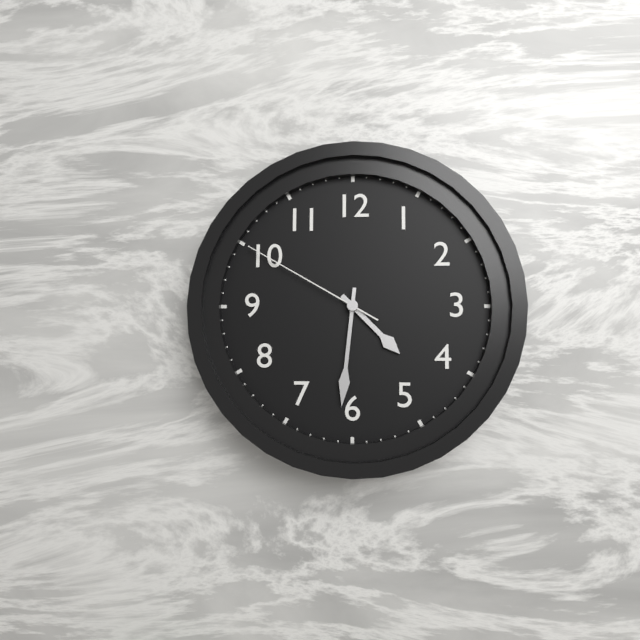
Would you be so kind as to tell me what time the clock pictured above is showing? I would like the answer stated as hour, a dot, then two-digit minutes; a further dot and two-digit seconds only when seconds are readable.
4.31.50
